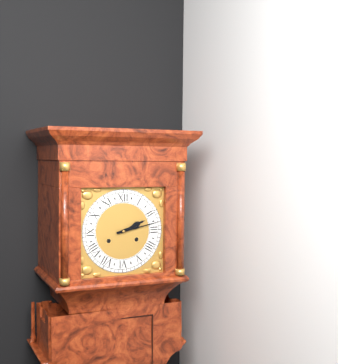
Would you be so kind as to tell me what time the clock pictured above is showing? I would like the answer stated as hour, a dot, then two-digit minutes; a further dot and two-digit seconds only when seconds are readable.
2.13
